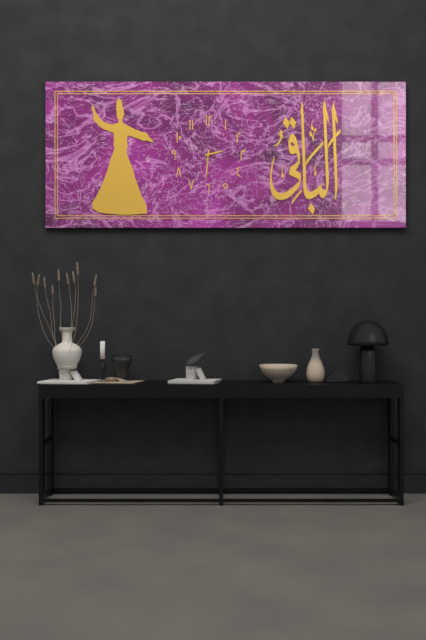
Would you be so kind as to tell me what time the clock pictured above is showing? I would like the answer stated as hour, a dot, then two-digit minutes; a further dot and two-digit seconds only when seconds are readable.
2.31
